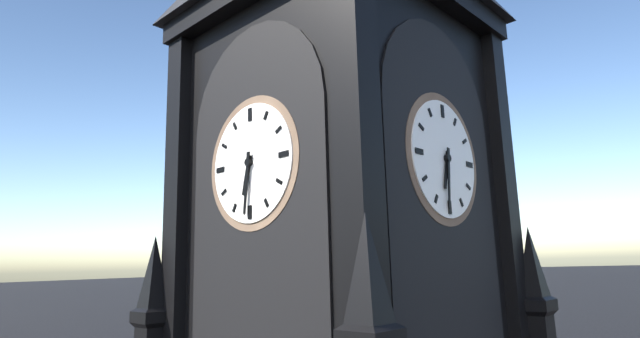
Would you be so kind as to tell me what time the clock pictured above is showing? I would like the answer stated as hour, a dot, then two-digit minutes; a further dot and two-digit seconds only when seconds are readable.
6.31
